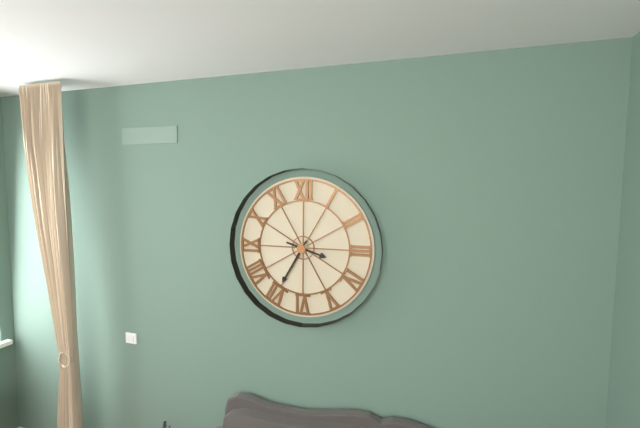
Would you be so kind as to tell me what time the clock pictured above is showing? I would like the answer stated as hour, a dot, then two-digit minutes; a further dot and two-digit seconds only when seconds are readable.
3.35
